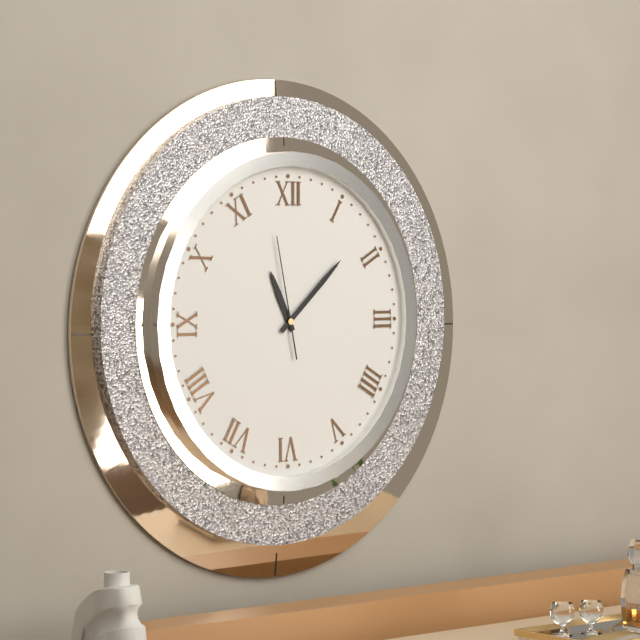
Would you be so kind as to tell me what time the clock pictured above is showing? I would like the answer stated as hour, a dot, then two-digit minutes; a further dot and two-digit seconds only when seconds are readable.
11.08.58
